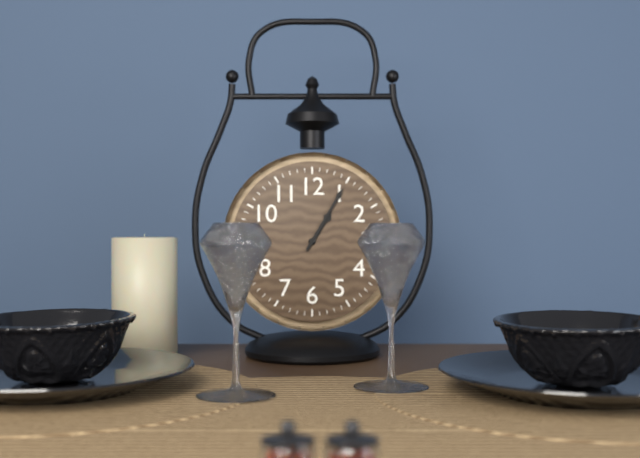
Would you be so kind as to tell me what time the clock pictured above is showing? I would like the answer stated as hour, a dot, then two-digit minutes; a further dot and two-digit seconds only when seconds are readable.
1.05
